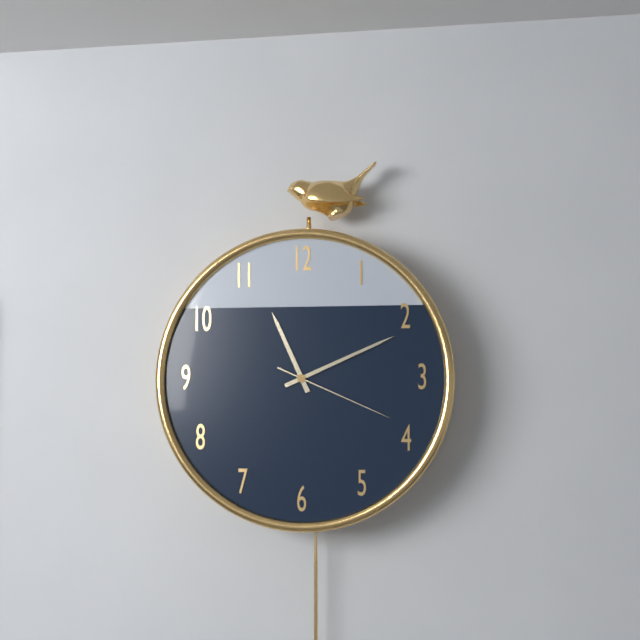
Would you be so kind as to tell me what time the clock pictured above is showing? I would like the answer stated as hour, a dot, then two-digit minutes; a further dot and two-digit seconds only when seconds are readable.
11.11.19
